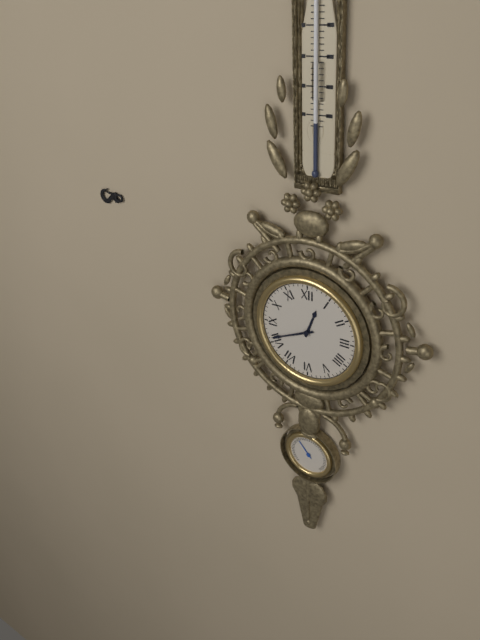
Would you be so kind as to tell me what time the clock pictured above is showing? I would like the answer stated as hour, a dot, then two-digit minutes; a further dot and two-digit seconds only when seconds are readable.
12.41
